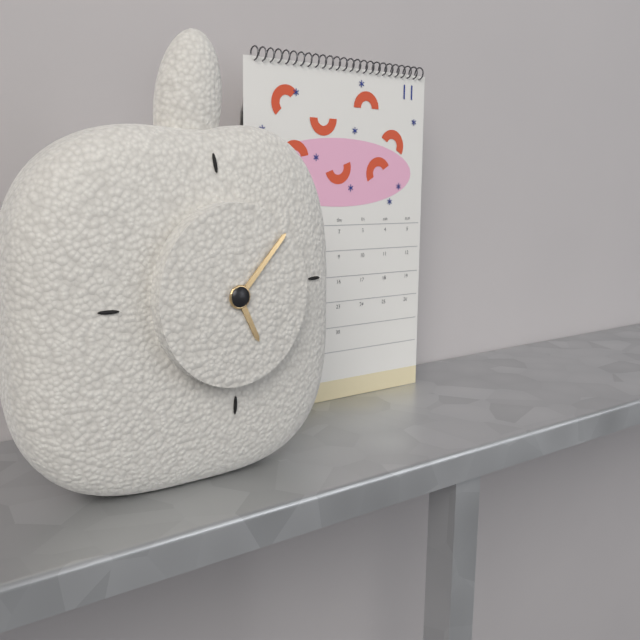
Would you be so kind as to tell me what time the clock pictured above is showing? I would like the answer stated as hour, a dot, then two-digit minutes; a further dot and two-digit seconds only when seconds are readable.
5.07
